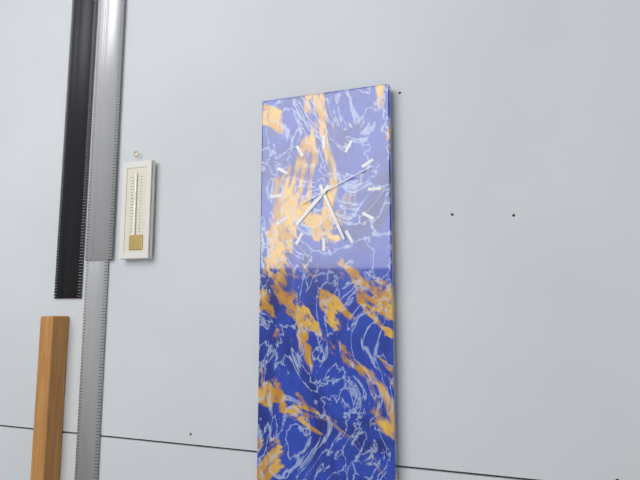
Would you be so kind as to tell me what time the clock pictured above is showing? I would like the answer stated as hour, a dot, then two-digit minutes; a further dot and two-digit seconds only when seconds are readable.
7.26.11
